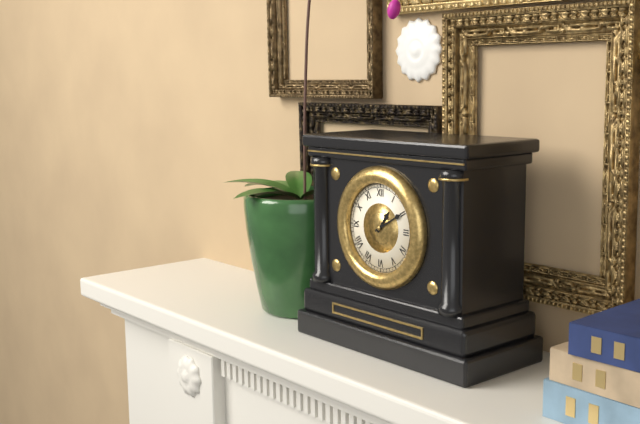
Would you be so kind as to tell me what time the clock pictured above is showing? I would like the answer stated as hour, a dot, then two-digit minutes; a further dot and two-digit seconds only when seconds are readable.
1.10
